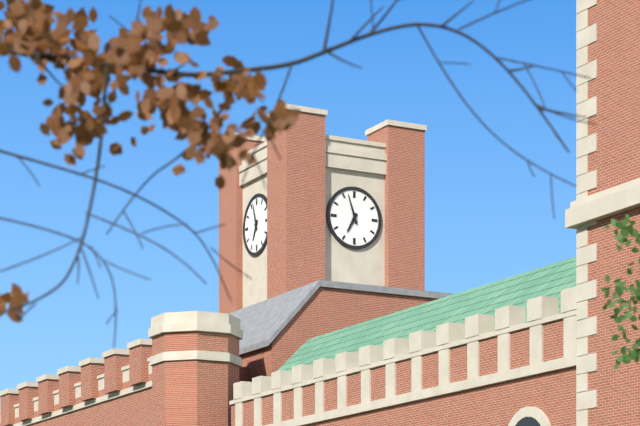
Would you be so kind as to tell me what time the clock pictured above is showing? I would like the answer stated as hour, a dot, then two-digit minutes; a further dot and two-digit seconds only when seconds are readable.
6.57
